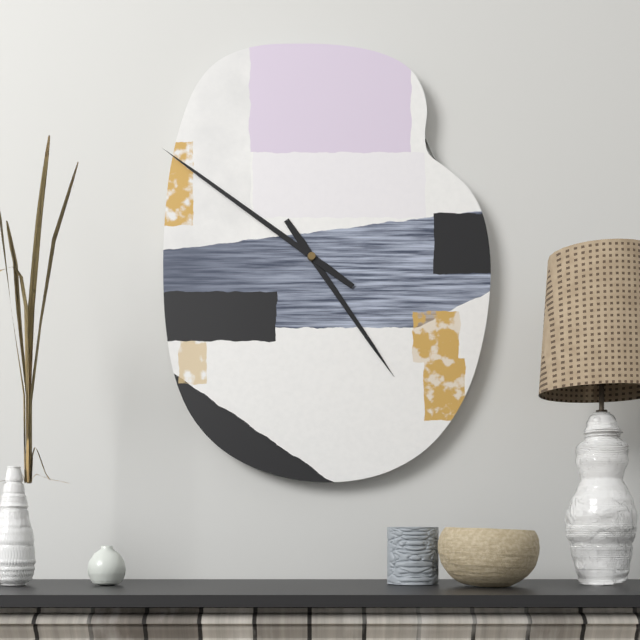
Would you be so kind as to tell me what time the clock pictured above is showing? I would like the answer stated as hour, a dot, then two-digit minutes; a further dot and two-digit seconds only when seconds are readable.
4.51
